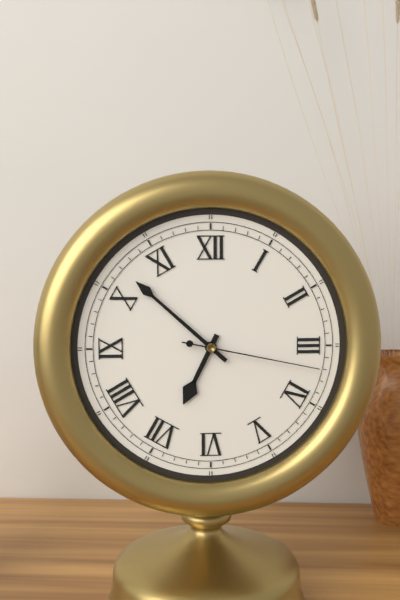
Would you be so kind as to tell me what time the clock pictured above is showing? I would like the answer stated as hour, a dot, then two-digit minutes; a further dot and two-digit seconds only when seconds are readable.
6.52.17
